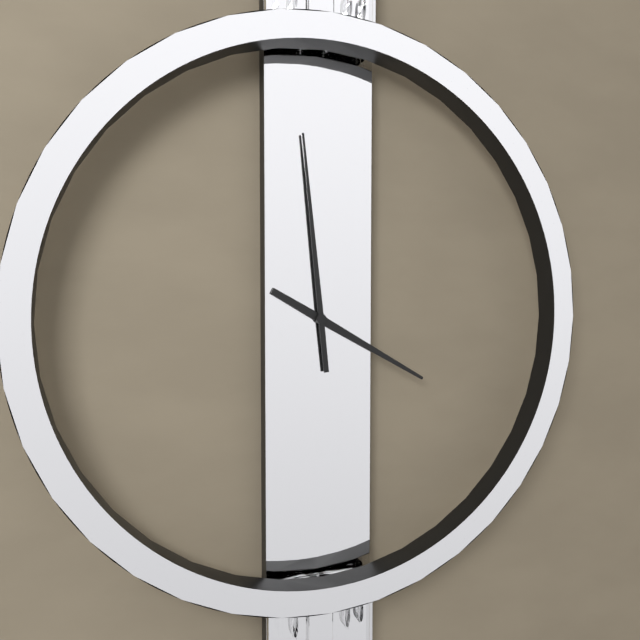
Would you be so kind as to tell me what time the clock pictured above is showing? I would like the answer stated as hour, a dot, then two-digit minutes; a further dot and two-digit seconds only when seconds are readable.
3.59
